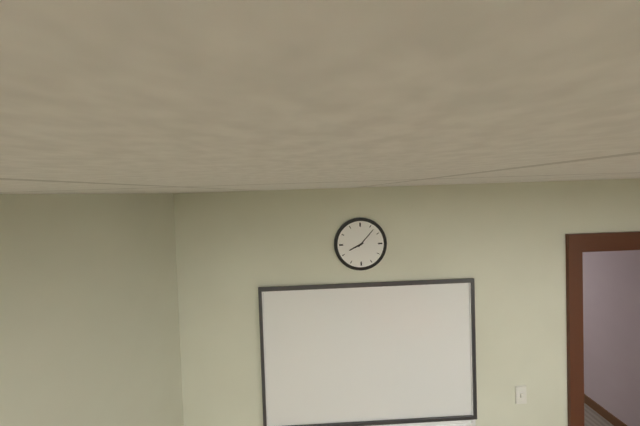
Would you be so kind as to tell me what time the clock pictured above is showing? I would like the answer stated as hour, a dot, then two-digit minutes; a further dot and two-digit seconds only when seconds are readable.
8.07
